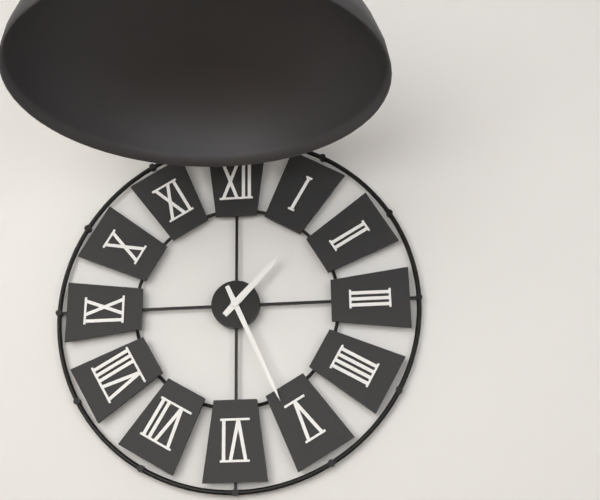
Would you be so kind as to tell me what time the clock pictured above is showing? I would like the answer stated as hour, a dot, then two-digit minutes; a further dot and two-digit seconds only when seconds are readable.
1.26
